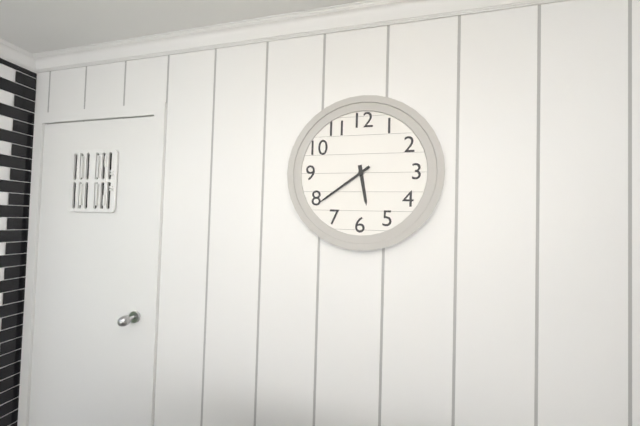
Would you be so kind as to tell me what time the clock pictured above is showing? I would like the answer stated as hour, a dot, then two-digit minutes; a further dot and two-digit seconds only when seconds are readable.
5.39
